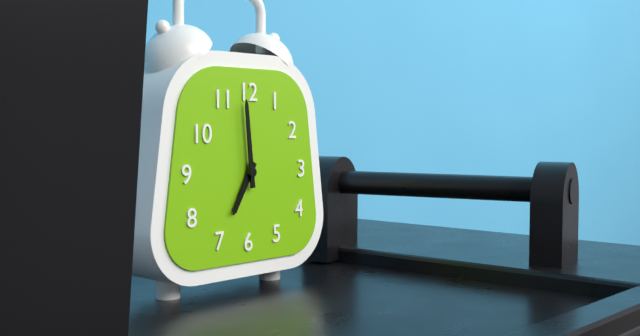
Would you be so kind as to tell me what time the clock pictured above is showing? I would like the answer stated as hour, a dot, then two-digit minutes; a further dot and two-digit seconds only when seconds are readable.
6.59
